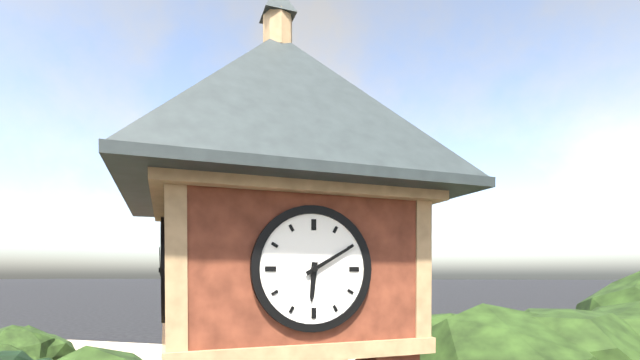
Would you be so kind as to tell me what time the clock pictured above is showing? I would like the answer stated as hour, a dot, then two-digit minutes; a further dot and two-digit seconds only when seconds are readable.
6.10
